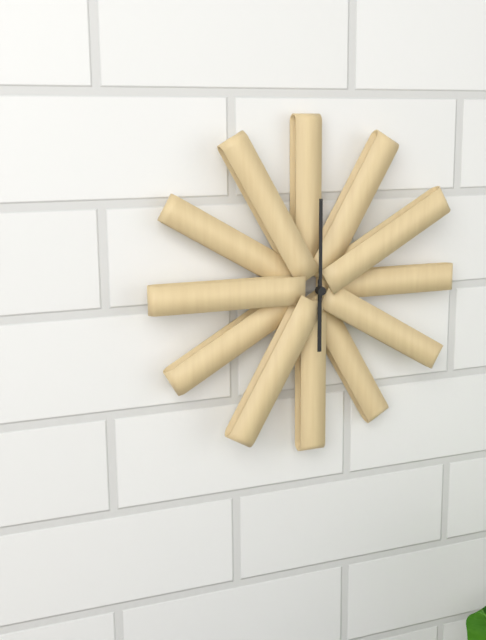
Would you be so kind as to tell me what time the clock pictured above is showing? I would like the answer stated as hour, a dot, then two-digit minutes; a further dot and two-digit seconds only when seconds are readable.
6.00
